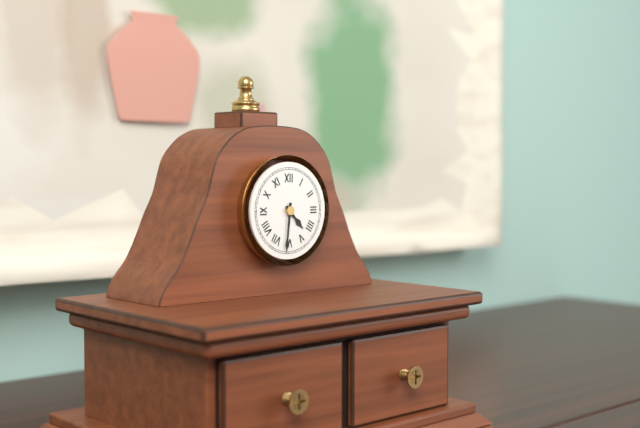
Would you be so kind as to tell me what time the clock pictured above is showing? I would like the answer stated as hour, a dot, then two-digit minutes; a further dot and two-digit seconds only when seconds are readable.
4.31
